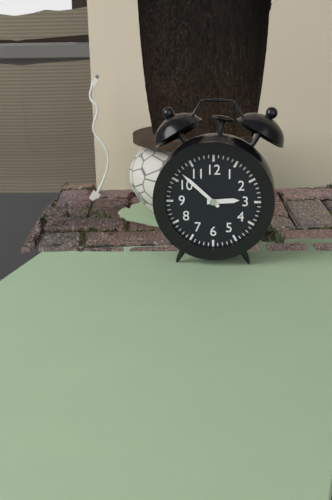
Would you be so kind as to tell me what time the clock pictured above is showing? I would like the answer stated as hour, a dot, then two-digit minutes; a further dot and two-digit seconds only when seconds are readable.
2.52
